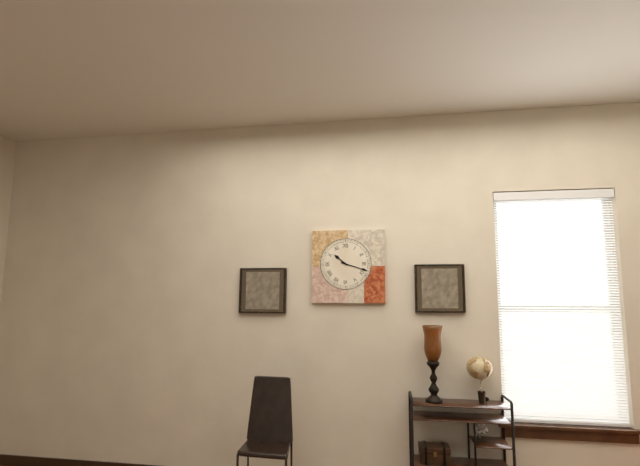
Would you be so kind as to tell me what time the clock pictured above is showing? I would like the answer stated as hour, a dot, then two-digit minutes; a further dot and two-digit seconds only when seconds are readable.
10.18
